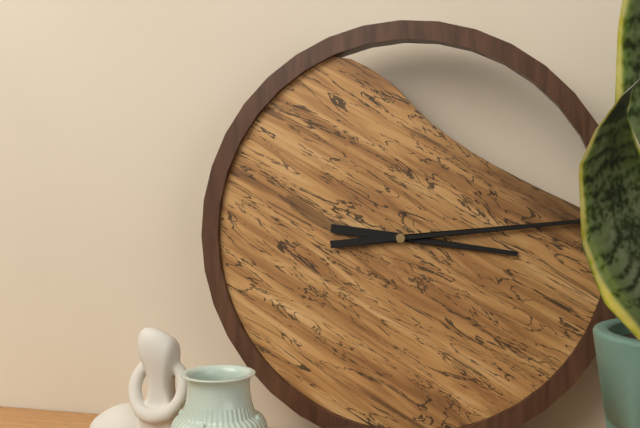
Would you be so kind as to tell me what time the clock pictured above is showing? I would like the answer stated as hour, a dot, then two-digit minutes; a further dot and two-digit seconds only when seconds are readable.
3.14
